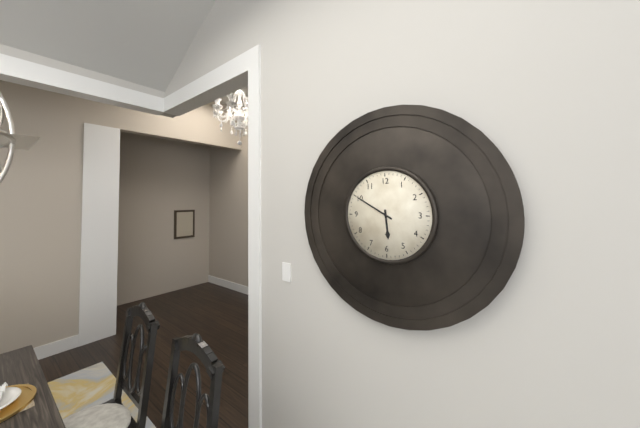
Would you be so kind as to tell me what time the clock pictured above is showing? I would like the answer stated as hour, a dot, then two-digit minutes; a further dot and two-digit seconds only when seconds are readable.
5.50
